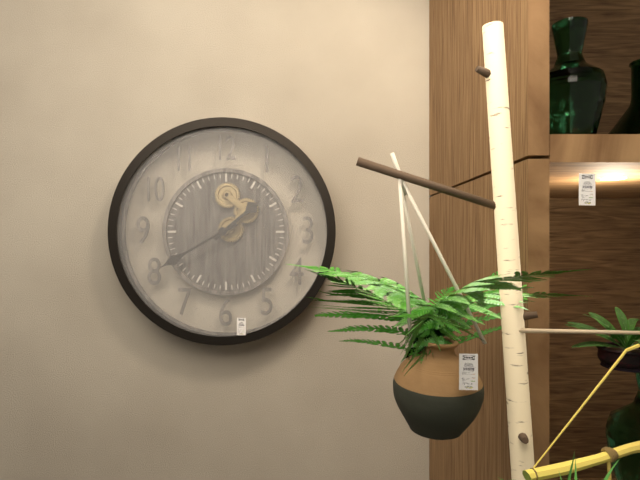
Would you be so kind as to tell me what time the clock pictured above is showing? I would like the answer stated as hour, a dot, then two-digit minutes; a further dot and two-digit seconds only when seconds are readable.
1.40
